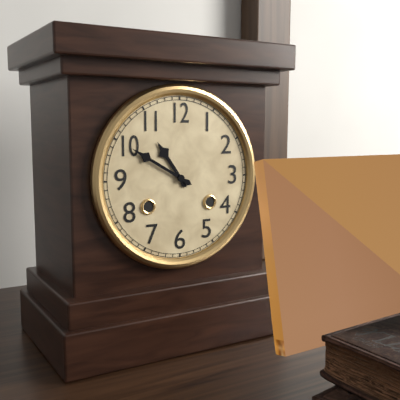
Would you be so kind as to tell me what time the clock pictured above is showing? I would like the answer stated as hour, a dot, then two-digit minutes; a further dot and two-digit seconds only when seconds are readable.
10.50
